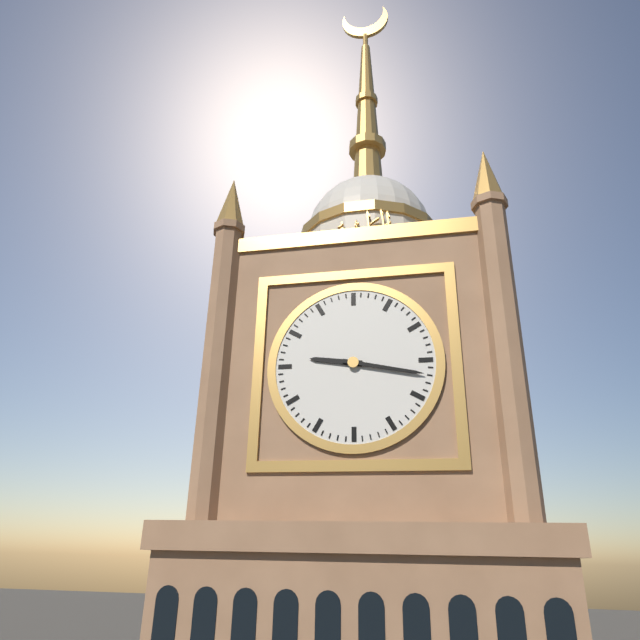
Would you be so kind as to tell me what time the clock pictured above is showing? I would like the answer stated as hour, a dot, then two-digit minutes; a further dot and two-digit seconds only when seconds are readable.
9.17
